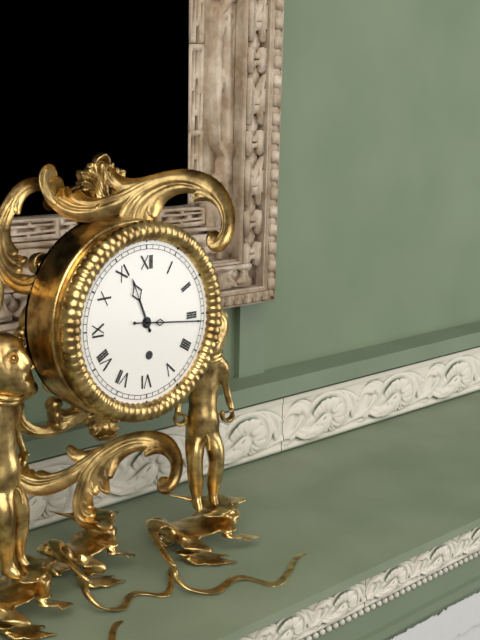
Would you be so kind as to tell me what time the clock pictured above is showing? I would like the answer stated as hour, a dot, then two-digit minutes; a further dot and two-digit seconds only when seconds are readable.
11.16
